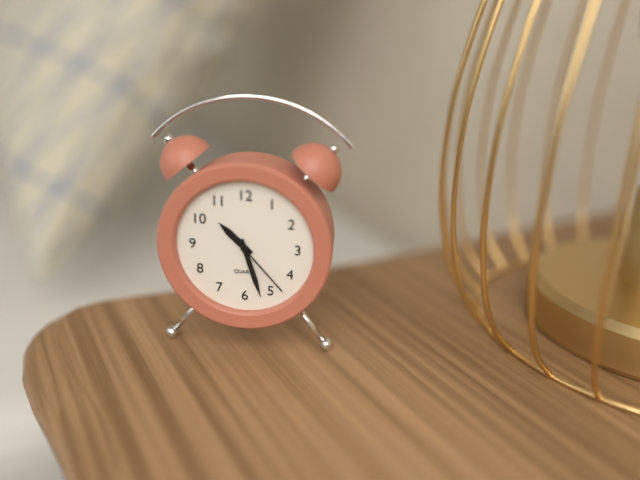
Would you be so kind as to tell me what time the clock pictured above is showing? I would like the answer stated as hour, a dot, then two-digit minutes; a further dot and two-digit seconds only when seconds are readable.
10.27.23
